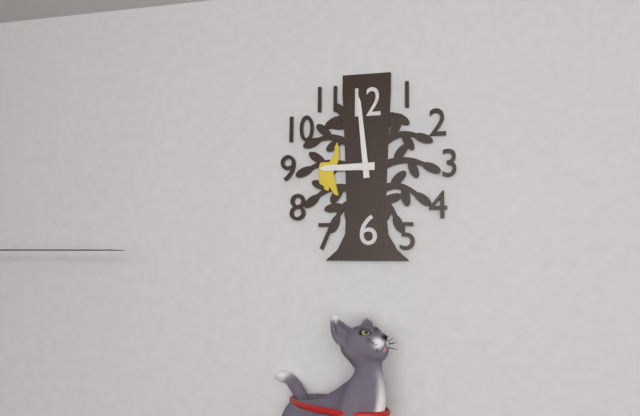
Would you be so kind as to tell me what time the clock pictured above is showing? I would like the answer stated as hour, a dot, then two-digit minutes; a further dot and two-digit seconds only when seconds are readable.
8.59
